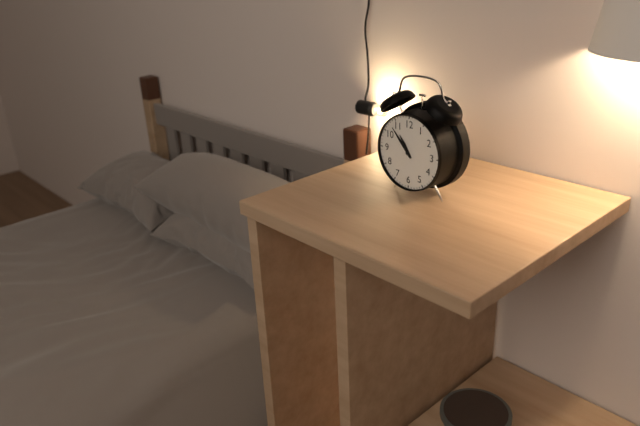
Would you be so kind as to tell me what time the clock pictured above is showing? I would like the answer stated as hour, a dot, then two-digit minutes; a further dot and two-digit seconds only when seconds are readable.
10.53
